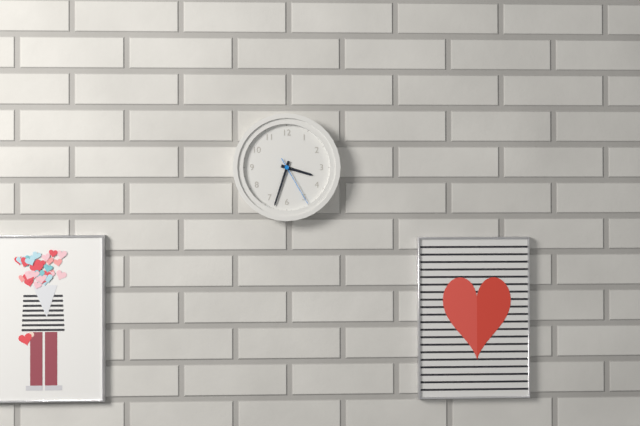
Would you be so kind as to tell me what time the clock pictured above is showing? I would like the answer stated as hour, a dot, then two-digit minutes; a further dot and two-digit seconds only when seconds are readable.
3.33.25
